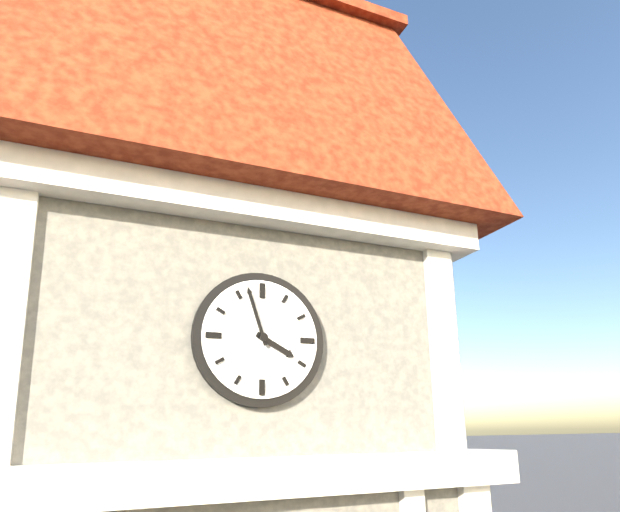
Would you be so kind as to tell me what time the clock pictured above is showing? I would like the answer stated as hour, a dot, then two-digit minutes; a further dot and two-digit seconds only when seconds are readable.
3.57
